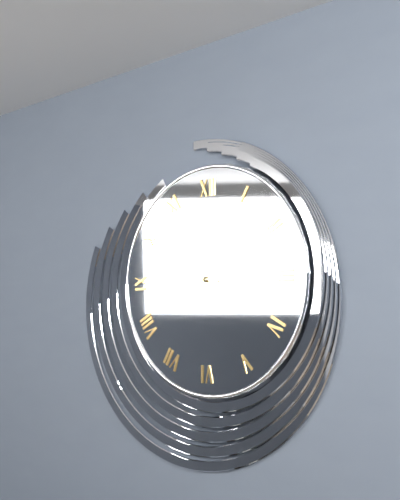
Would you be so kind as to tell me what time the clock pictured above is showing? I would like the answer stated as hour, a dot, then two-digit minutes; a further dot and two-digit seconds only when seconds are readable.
9.15
